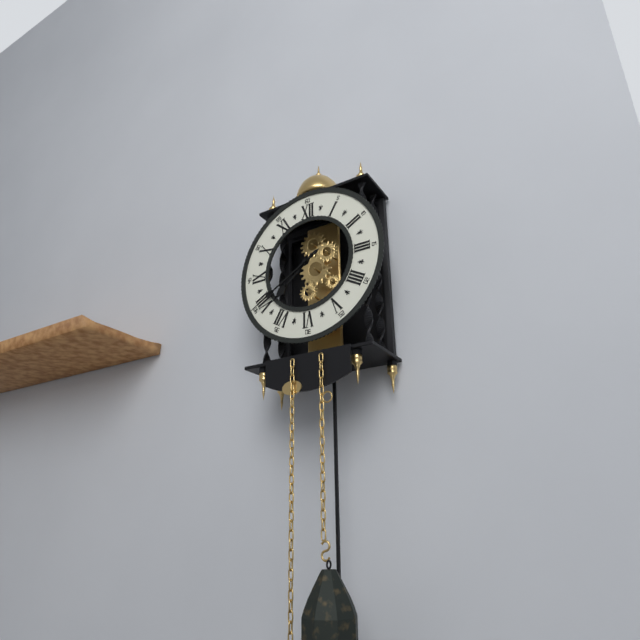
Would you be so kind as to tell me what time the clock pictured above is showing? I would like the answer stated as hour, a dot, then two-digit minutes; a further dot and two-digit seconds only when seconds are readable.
7.40
